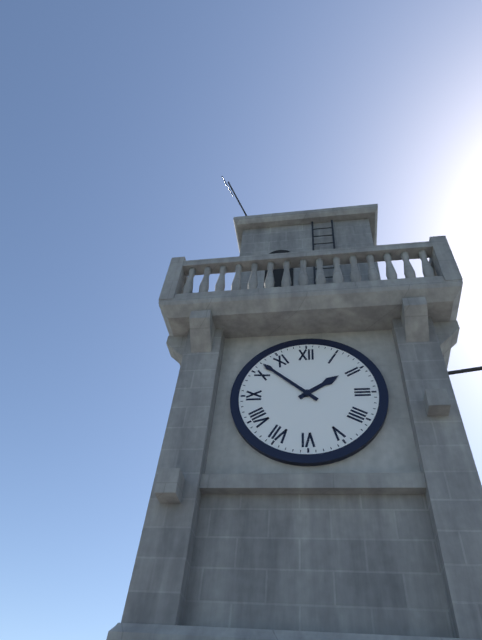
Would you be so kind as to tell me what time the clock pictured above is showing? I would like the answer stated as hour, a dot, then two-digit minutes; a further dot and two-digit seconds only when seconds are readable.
1.52
